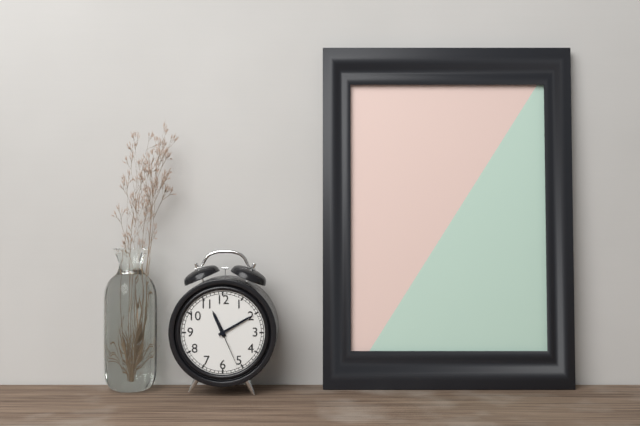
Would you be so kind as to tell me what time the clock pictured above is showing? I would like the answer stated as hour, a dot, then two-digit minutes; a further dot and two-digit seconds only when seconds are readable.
11.10
